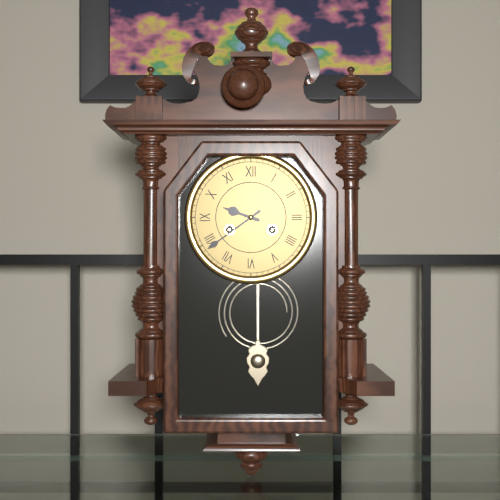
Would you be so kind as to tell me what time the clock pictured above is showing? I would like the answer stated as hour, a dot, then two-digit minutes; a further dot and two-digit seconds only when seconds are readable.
9.39
